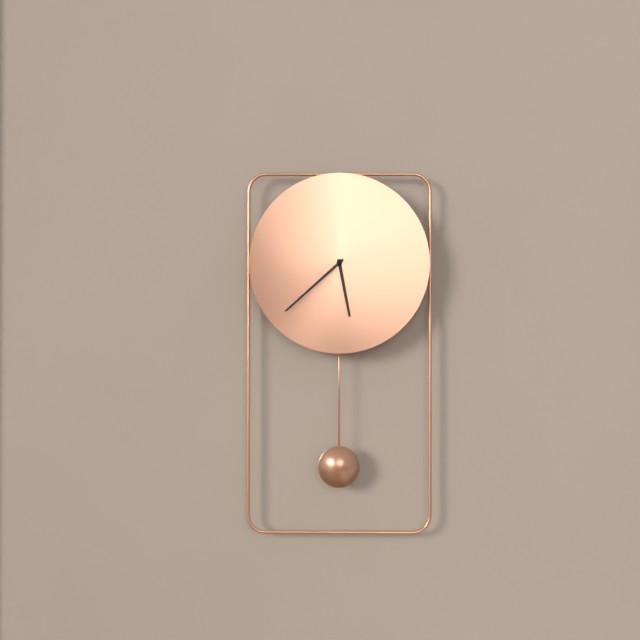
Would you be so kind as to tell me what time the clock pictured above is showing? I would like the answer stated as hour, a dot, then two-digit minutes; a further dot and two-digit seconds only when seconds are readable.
5.38
